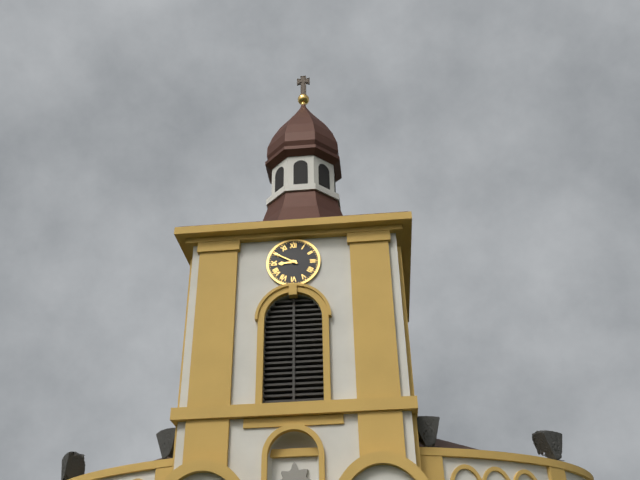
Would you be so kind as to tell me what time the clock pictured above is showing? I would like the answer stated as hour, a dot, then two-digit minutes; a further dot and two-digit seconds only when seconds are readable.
8.50
